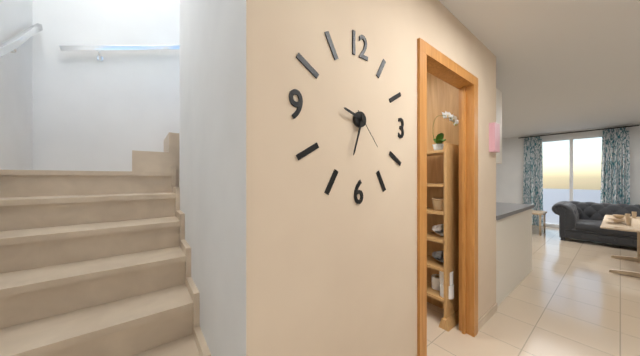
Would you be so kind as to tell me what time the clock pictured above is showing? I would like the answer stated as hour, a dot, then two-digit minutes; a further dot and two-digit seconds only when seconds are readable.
9.33
